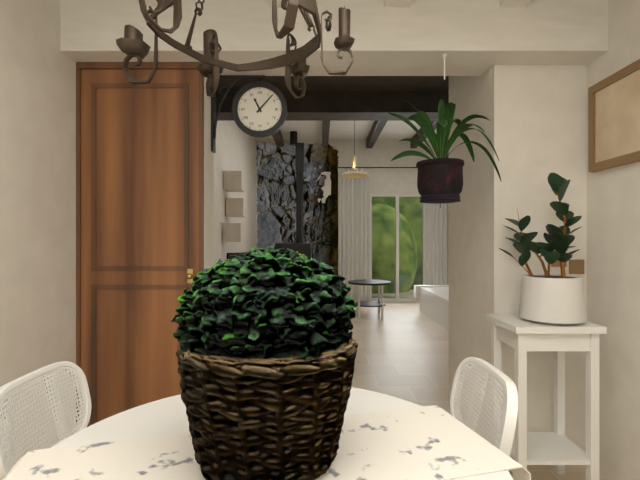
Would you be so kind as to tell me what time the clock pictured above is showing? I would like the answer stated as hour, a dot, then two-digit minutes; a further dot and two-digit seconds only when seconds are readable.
11.07
